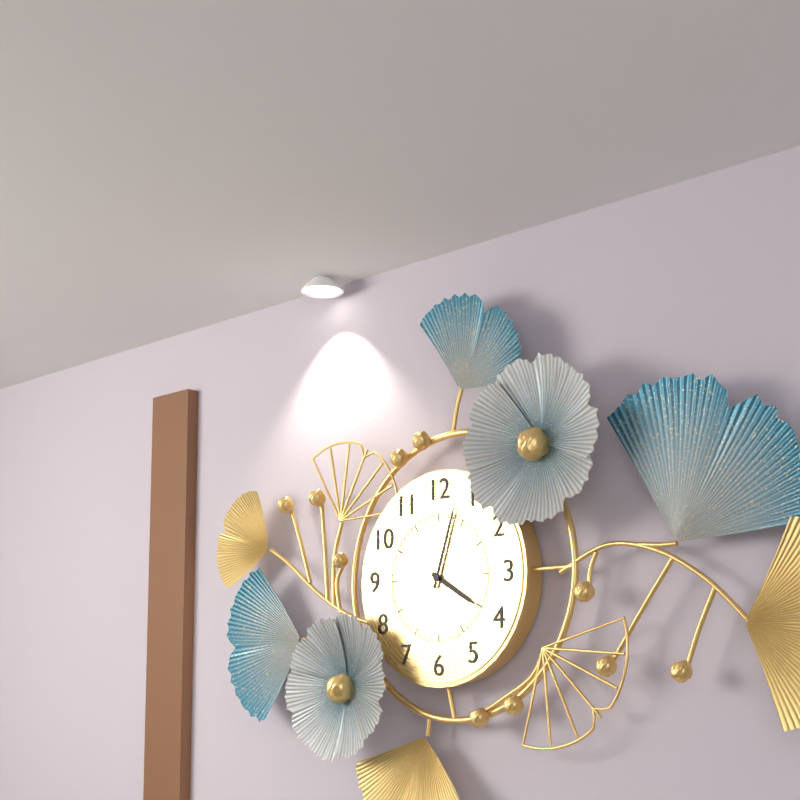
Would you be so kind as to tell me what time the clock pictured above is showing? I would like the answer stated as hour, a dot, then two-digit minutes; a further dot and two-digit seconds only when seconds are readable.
4.03
